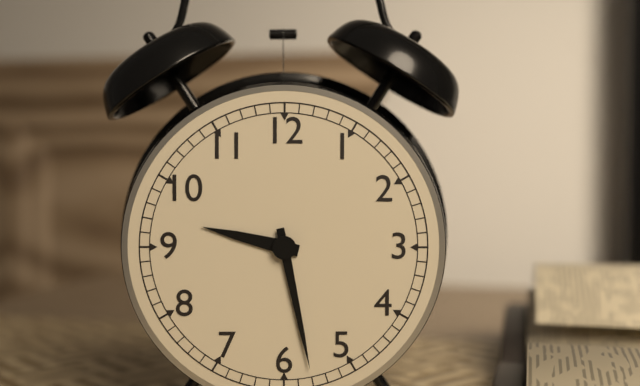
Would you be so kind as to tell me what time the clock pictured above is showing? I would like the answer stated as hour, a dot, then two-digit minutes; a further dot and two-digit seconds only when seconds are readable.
9.28
